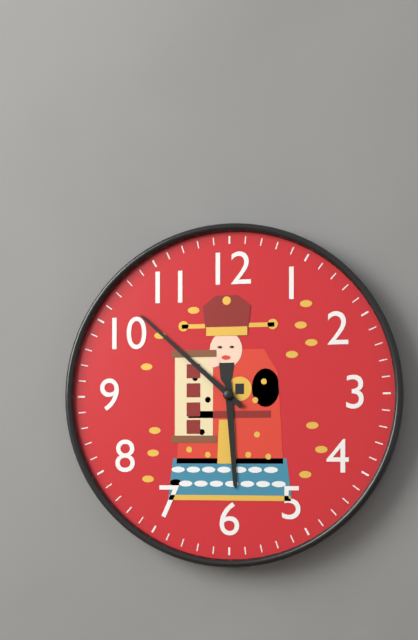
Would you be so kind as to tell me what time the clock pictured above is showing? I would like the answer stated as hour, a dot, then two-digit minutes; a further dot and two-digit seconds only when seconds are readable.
5.52
